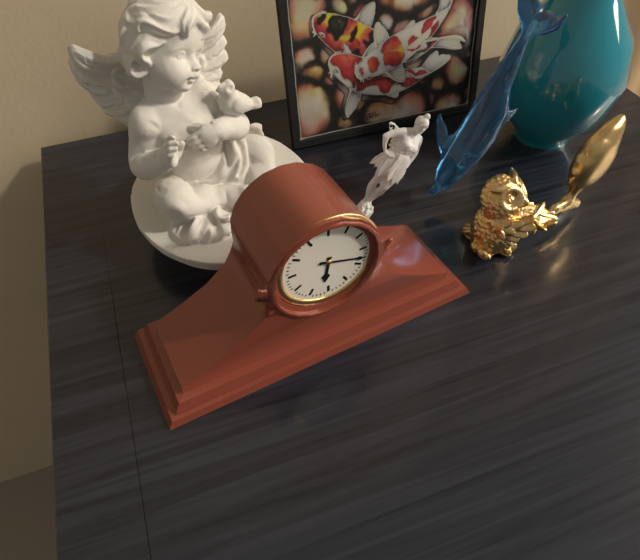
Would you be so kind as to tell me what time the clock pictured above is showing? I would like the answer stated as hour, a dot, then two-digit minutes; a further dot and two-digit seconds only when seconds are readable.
6.18
